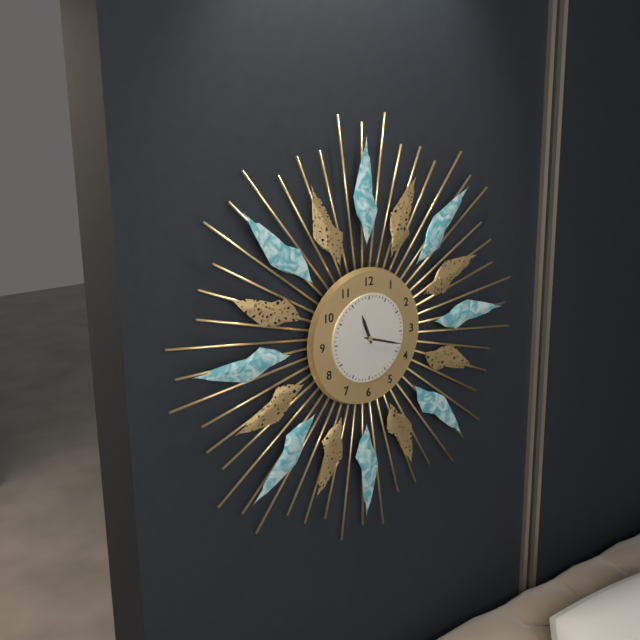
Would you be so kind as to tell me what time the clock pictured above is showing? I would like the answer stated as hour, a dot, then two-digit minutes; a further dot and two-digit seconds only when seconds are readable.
11.18
